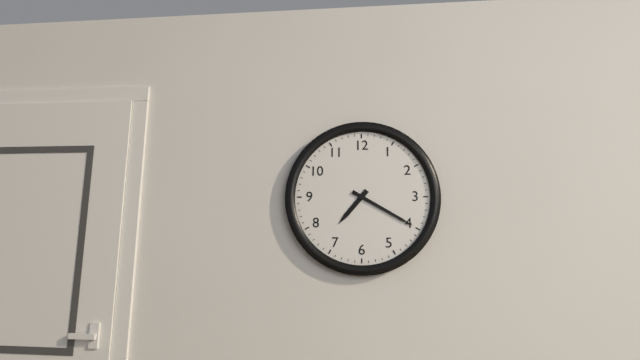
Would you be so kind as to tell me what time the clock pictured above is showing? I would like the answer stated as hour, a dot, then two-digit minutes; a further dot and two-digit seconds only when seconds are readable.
7.20
